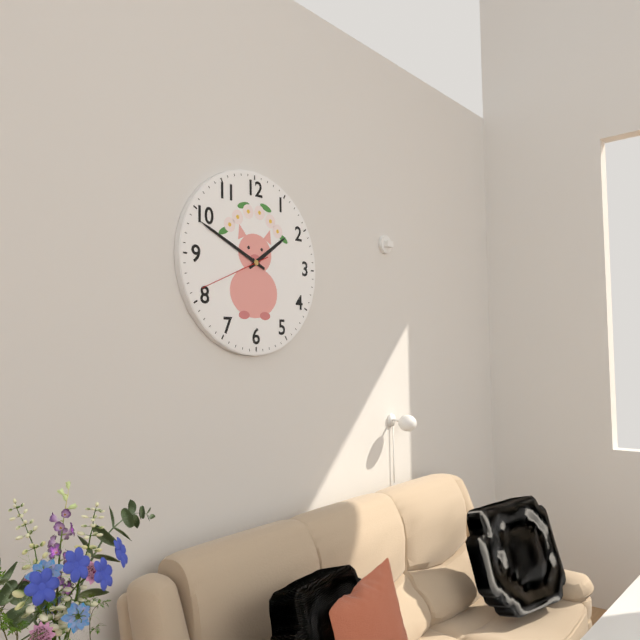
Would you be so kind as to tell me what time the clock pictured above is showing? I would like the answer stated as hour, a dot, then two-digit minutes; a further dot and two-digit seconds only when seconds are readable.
1.49.41
